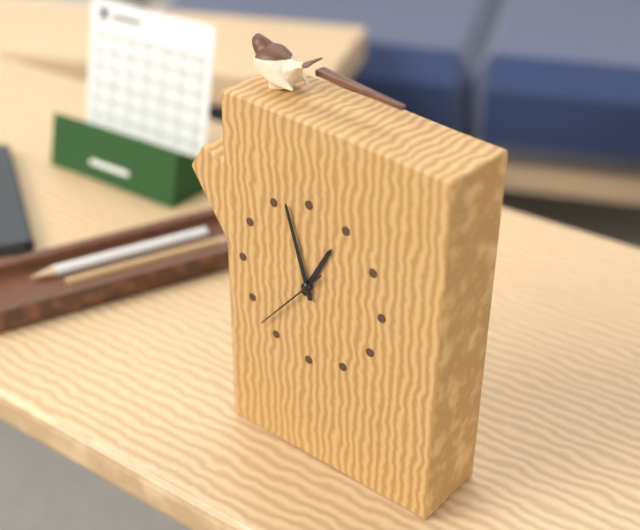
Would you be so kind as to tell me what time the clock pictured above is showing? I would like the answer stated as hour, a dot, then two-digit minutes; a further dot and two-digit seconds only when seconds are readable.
12.57.37
